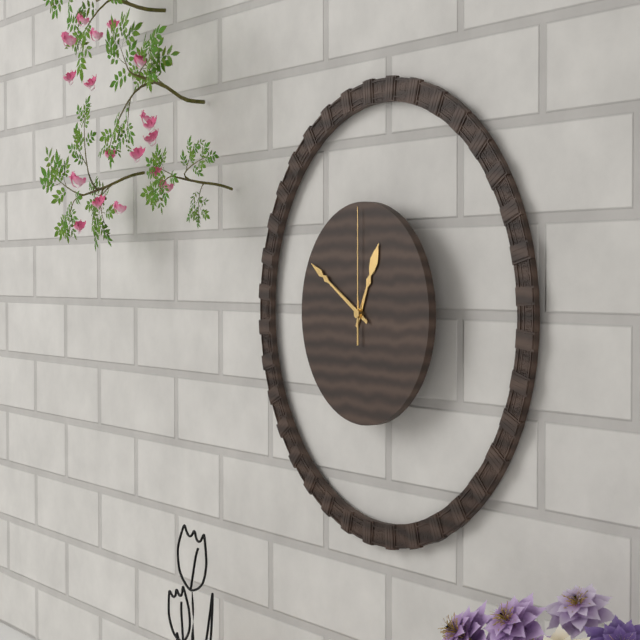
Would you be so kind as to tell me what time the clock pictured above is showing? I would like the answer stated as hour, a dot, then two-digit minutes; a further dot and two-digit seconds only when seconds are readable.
12.50.00
